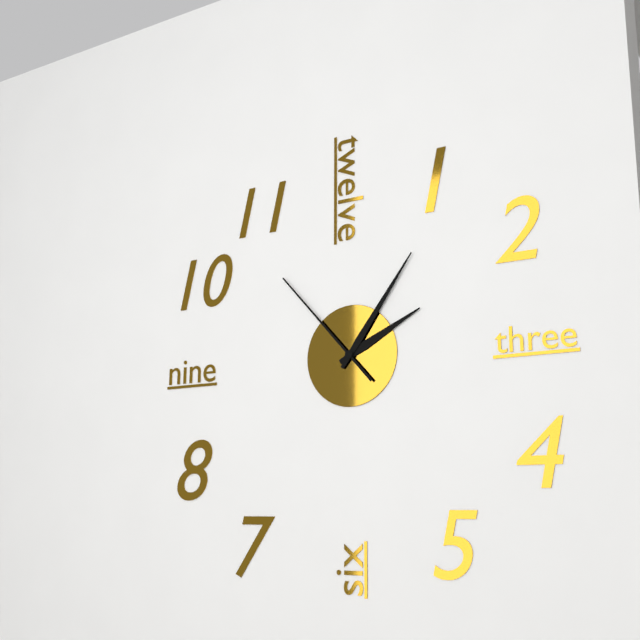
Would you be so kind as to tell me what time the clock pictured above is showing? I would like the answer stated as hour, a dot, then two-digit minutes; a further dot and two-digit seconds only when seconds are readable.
2.06.53
